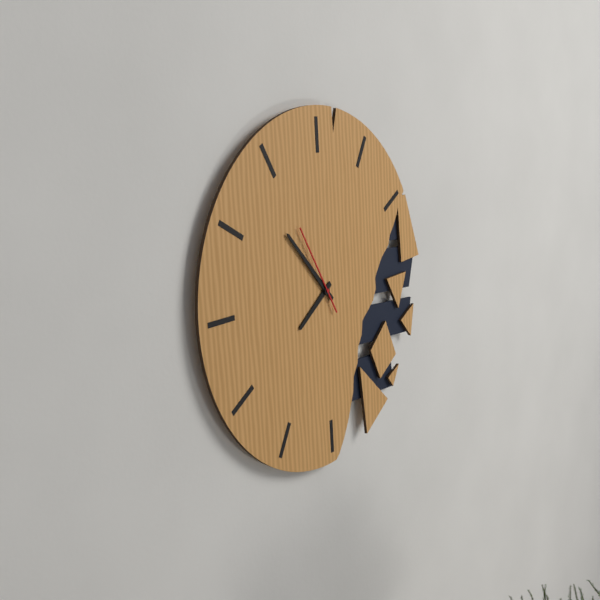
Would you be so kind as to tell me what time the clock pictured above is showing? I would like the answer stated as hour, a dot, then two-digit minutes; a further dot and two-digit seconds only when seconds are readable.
7.53.55
